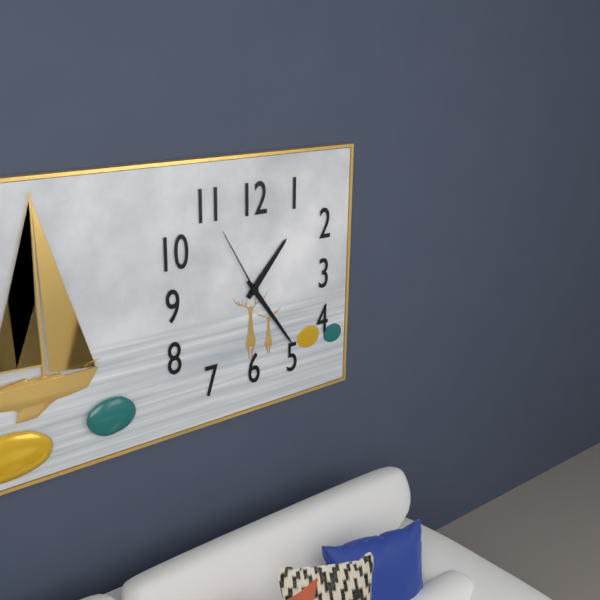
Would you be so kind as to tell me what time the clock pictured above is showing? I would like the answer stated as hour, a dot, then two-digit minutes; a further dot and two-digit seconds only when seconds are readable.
1.24.55
